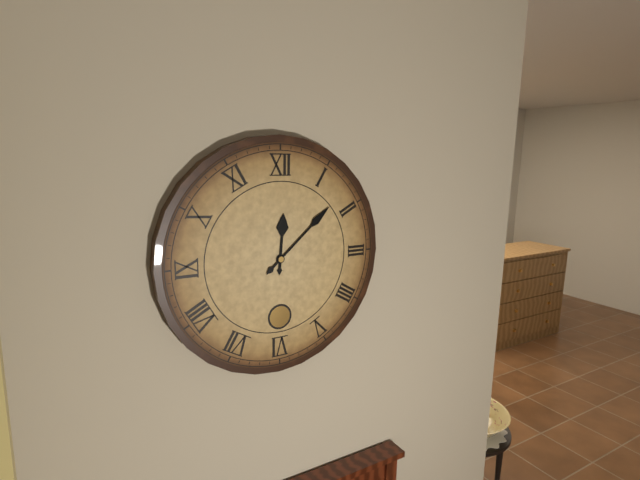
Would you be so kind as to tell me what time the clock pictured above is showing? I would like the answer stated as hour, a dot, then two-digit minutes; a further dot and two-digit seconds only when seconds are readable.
12.08
